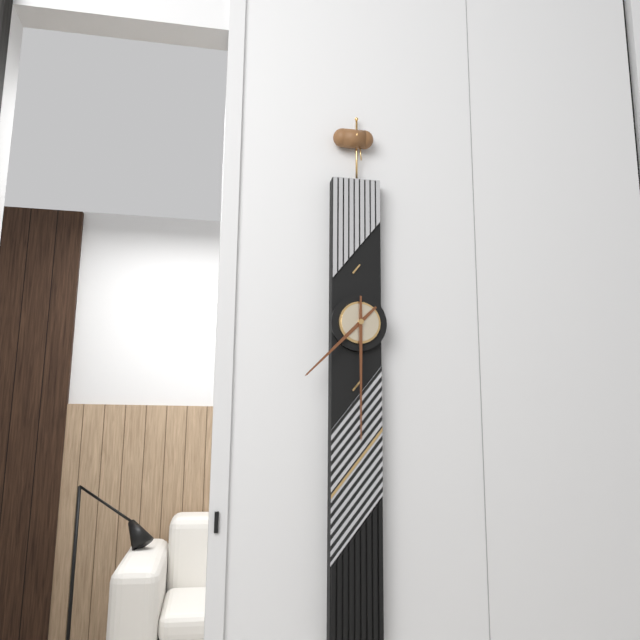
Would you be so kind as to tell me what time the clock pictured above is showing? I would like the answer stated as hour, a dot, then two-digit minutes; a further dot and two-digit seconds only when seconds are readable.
7.30
